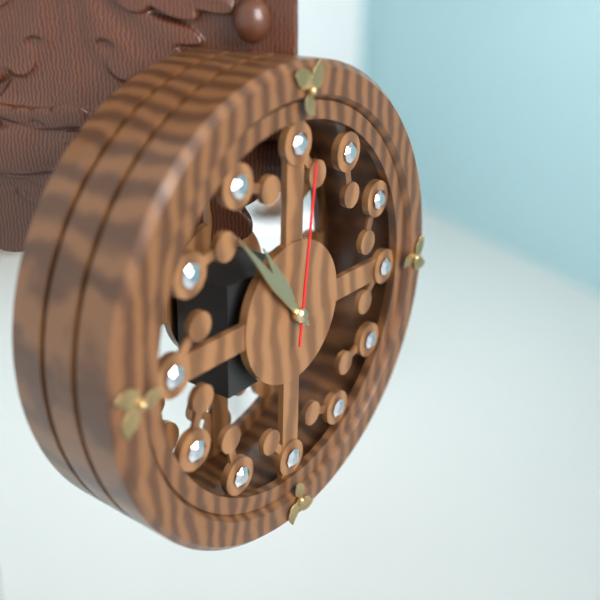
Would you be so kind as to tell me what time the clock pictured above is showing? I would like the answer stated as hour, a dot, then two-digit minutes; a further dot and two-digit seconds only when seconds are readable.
10.53.01
